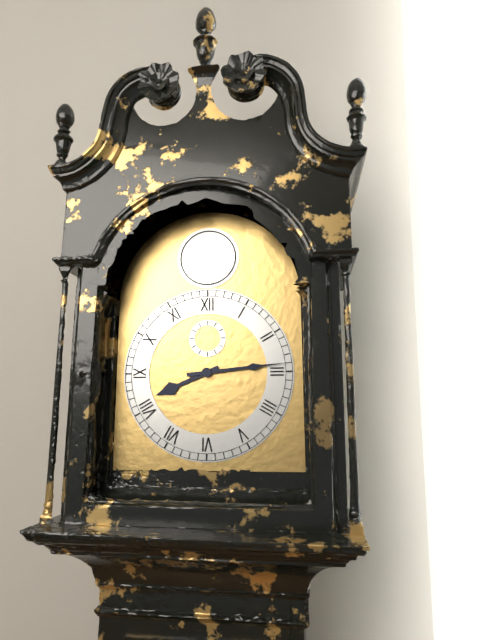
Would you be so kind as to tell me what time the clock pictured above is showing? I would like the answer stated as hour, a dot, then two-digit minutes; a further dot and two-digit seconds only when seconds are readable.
8.14
